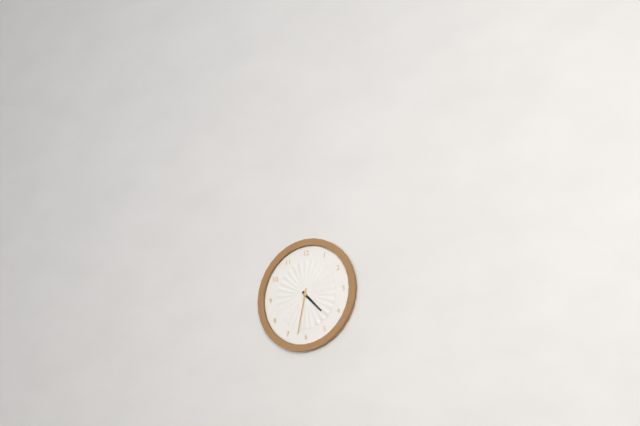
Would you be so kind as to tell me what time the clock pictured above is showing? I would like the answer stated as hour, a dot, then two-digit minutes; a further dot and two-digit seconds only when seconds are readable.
4.32
